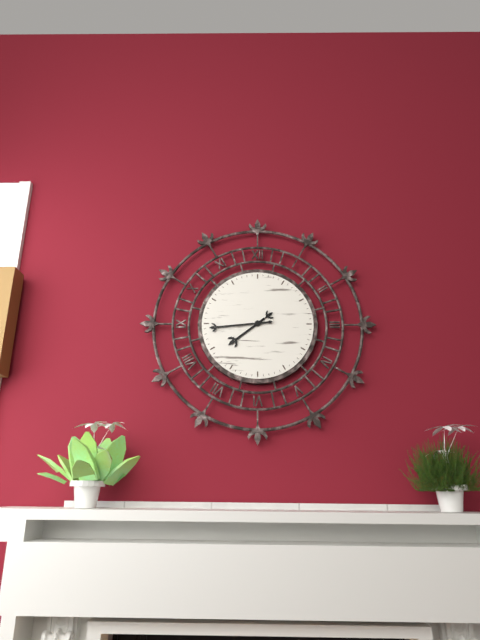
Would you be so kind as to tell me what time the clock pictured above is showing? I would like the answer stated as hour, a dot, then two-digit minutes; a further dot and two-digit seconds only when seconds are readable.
7.44
